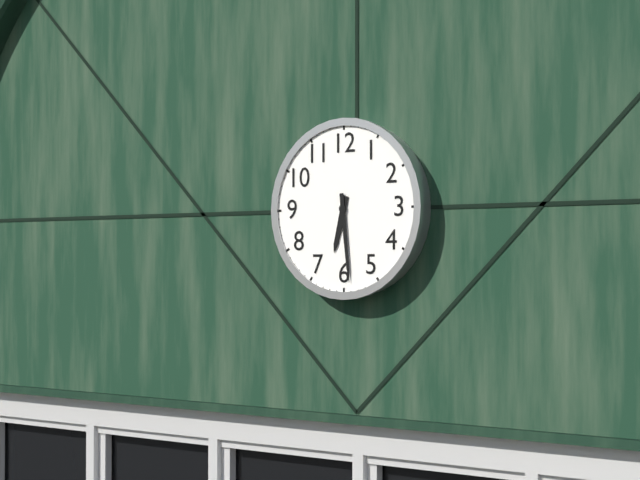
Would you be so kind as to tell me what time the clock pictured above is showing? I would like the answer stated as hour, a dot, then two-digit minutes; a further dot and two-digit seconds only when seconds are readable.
6.29
